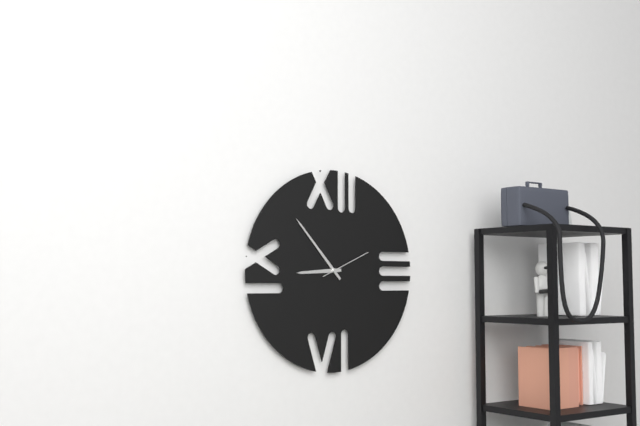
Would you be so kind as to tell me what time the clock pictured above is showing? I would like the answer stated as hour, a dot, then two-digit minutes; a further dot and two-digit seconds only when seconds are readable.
8.53.11
